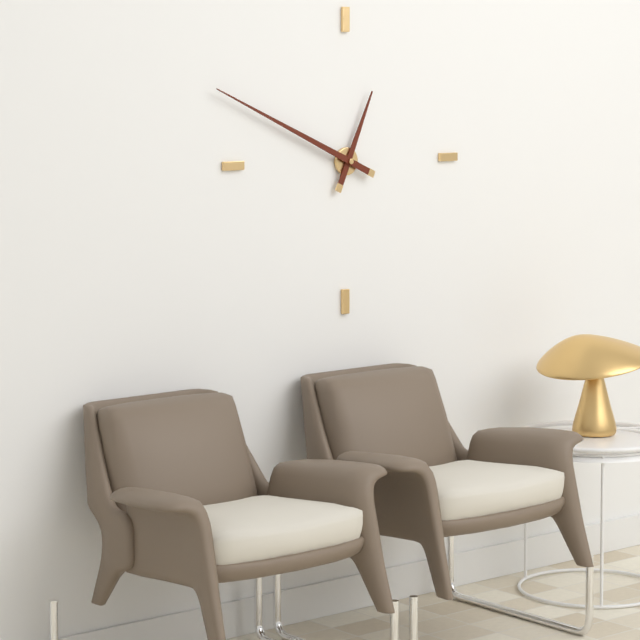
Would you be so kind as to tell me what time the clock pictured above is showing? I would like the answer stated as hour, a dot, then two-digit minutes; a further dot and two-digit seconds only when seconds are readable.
12.49
